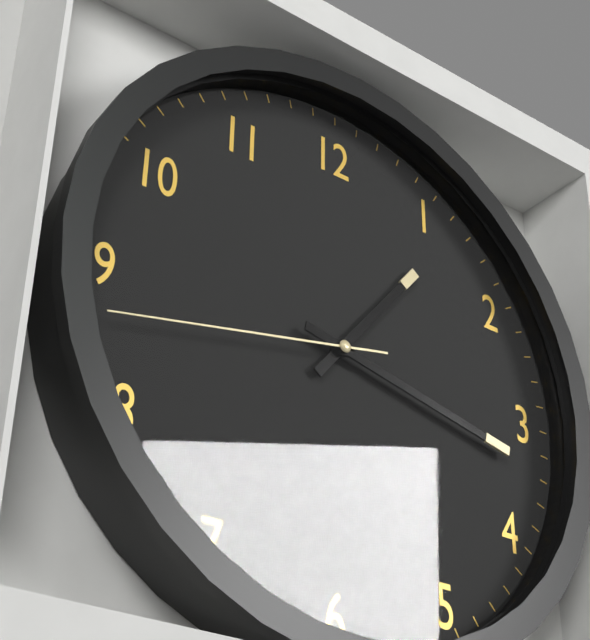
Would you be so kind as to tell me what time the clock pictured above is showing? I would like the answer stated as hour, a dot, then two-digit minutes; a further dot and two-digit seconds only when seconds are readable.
1.17.43
